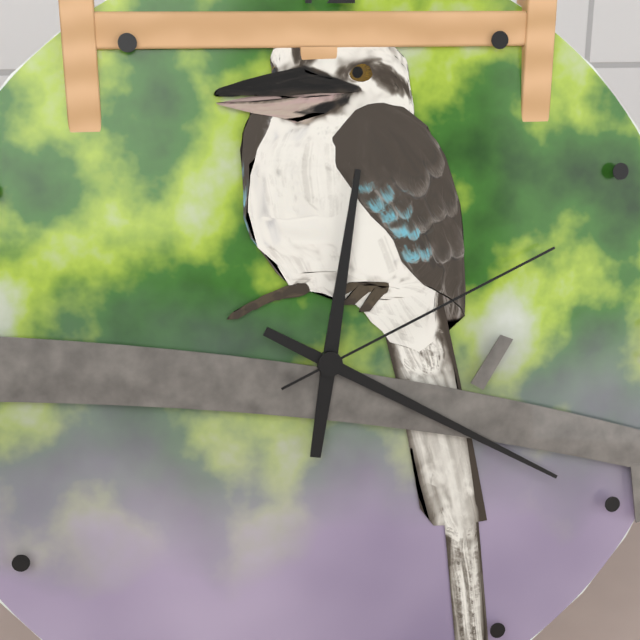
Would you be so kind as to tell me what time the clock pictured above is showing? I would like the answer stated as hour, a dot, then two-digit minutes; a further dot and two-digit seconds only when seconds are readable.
12.20.11
